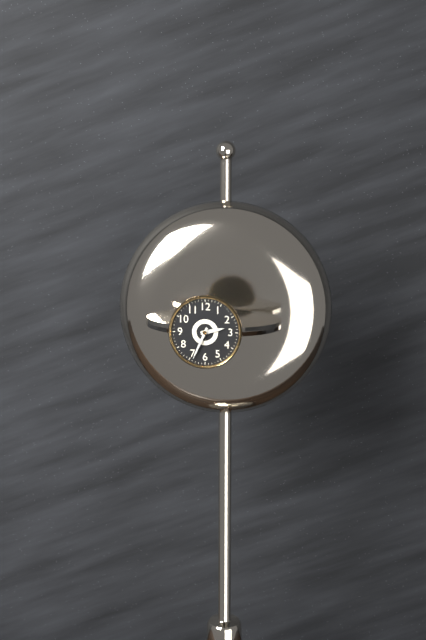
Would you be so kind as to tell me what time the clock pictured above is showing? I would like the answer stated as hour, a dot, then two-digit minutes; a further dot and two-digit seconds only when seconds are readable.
2.34
